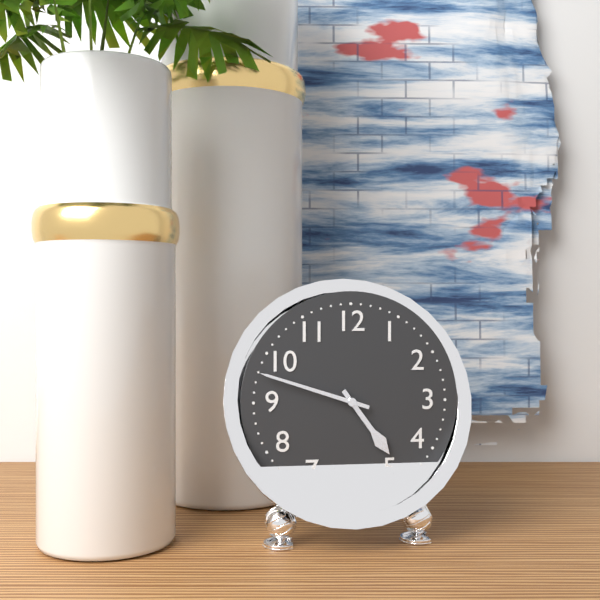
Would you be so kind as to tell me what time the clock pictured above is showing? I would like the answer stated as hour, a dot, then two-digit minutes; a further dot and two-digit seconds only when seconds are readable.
4.48
